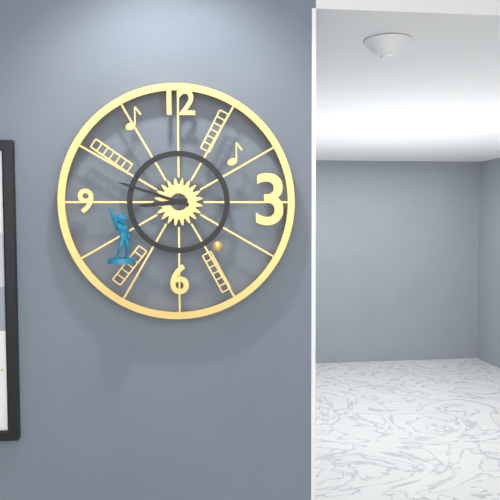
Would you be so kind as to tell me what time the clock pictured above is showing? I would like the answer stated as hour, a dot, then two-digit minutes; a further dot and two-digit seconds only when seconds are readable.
8.48
